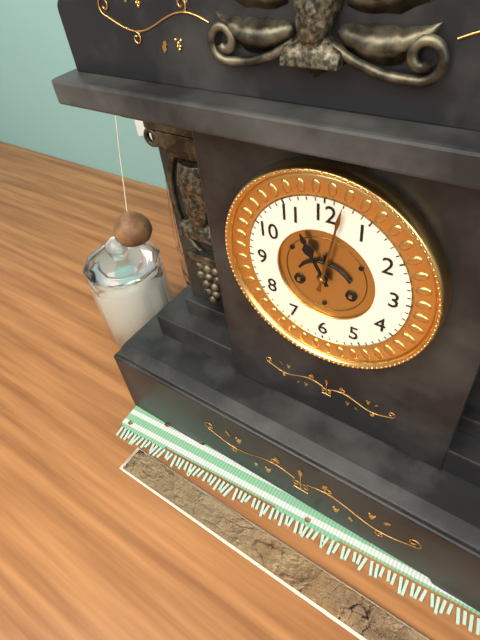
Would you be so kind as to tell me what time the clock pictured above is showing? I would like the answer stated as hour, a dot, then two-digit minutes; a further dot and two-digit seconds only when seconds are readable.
11.02
